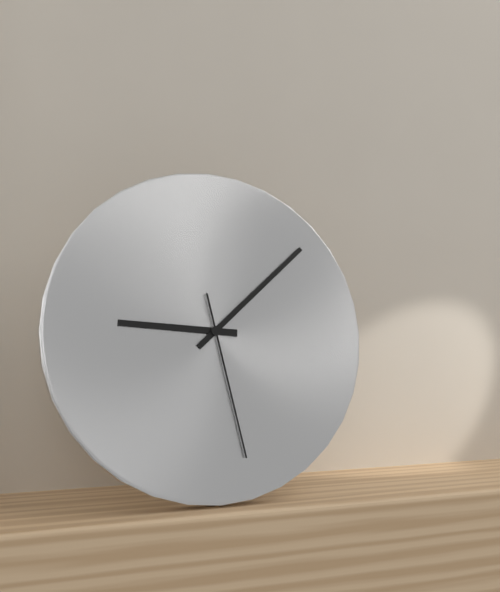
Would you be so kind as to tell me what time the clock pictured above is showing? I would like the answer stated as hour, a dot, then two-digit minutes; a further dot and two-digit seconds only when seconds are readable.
9.08.28
